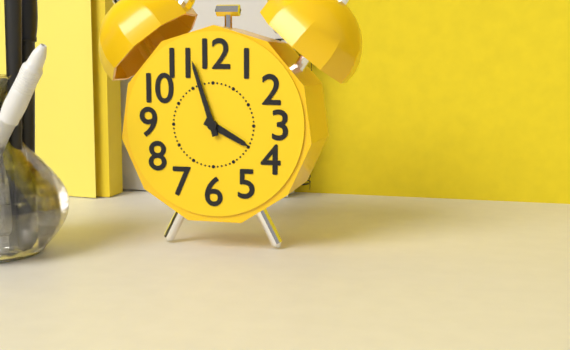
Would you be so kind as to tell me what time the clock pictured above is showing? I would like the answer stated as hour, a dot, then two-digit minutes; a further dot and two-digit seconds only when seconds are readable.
3.57
